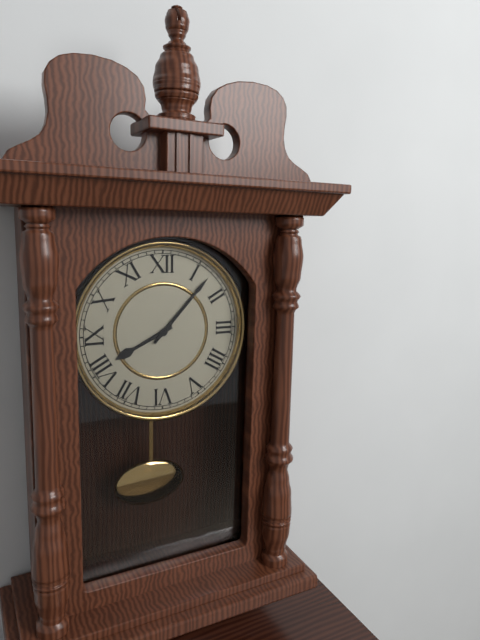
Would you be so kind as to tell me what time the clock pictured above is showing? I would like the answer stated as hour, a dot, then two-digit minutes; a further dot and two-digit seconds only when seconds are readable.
8.07
